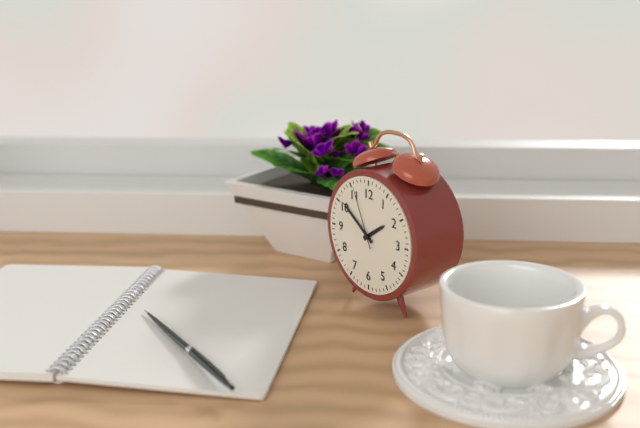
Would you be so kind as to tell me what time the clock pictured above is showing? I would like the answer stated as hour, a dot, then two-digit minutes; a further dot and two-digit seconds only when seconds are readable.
1.51.56
